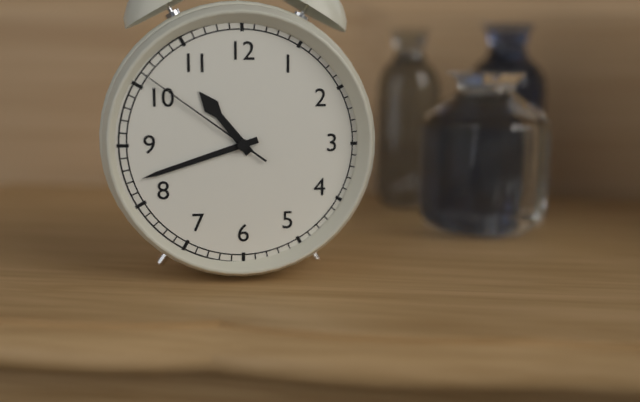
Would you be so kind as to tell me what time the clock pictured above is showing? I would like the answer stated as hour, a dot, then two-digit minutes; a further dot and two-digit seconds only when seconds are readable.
10.42.51
